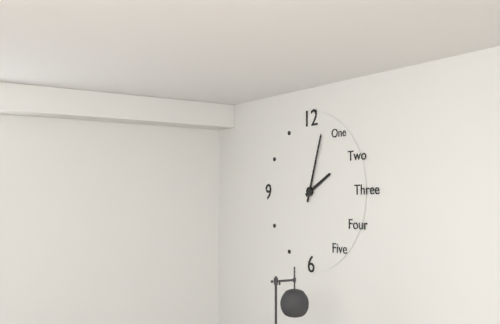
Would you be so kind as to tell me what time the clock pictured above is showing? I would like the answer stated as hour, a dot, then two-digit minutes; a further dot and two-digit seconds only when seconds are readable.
2.03
